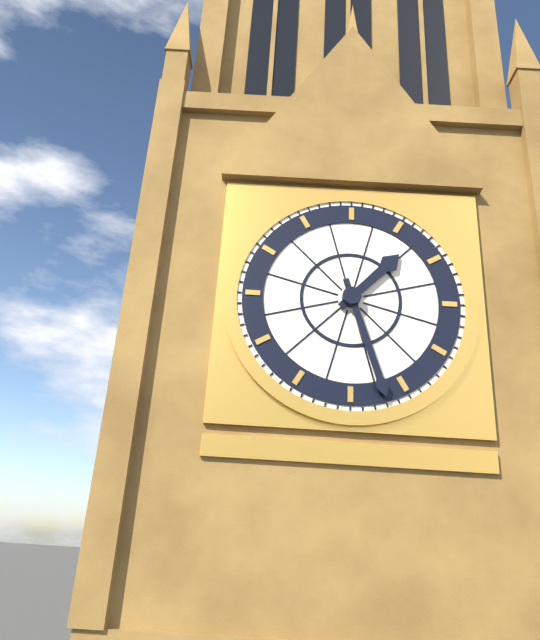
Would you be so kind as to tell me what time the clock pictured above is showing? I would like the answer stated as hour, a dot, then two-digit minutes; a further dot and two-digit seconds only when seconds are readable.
1.27
